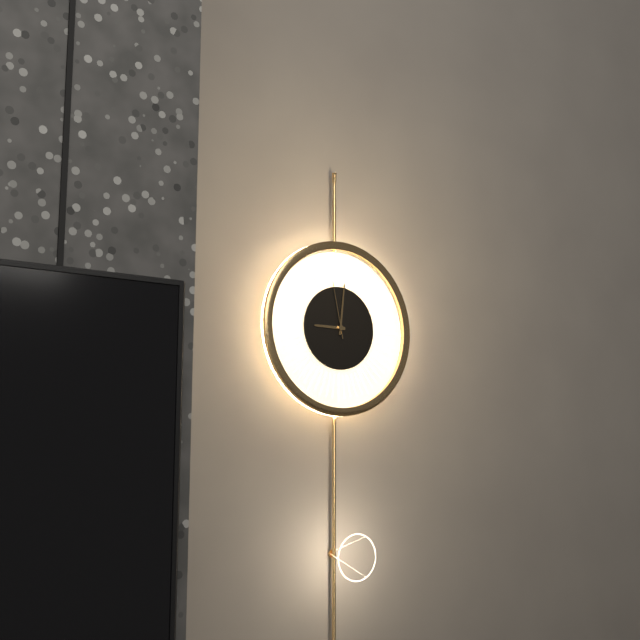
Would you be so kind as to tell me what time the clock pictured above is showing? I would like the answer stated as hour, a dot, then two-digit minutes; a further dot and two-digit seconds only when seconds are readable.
9.01.58
